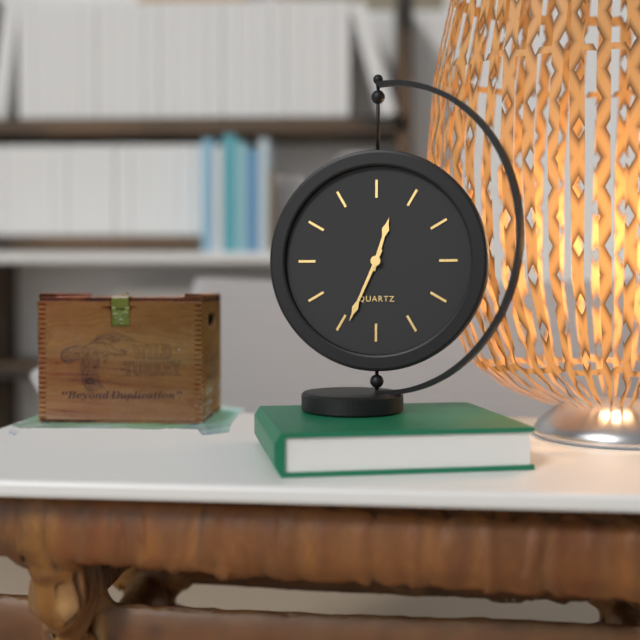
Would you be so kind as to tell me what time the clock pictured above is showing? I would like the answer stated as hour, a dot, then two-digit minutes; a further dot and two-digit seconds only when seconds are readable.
12.34
